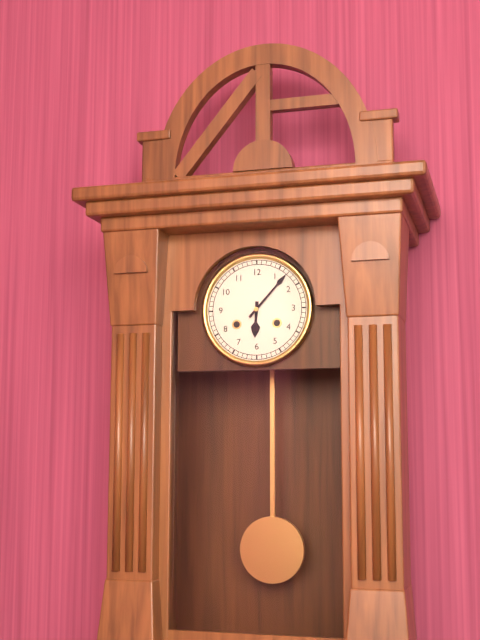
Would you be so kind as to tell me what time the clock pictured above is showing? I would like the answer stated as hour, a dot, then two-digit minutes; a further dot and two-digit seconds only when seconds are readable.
6.07
